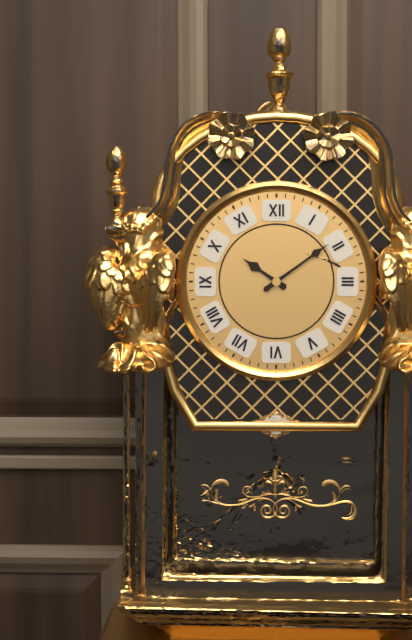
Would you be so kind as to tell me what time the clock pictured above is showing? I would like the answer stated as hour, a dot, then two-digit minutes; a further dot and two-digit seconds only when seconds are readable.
10.09
